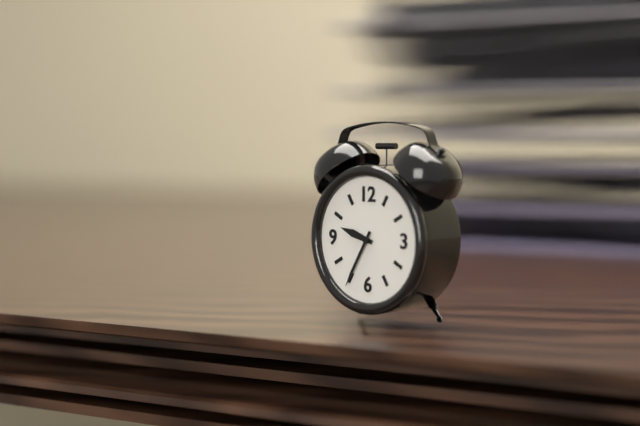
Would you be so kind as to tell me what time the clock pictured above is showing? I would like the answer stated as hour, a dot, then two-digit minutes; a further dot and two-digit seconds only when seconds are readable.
9.35
